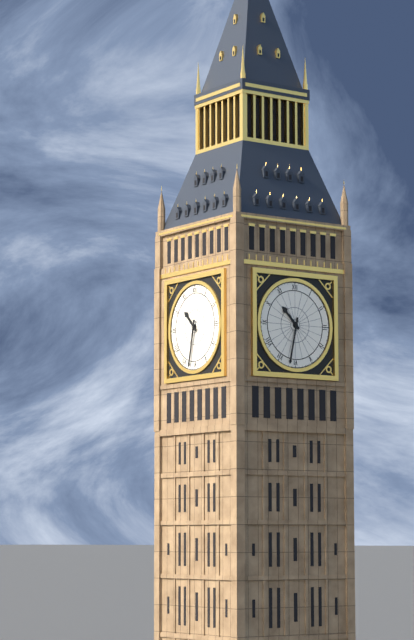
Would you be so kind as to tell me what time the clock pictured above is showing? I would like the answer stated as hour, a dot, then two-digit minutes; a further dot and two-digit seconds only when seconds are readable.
10.32
